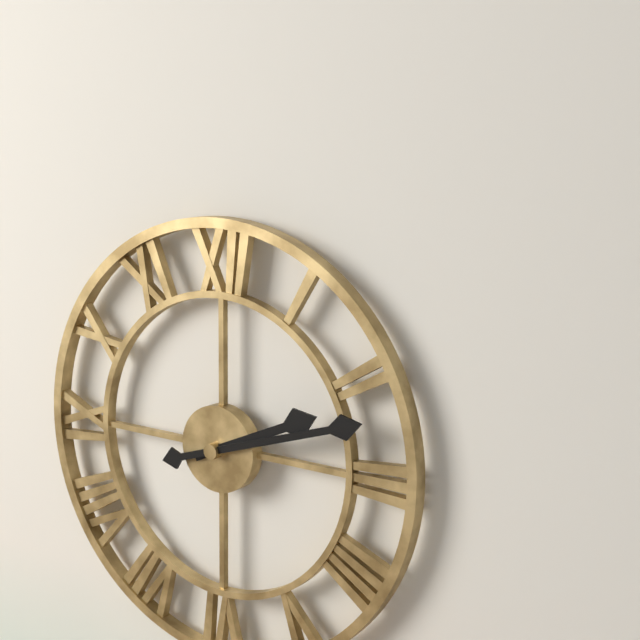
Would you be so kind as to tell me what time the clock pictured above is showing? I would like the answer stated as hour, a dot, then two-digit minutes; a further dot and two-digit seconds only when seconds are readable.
2.12
